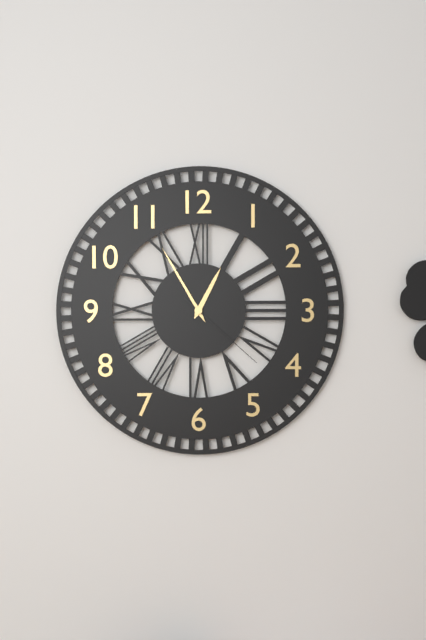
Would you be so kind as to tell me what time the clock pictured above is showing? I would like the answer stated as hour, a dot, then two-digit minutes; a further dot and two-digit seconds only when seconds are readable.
12.55.22
